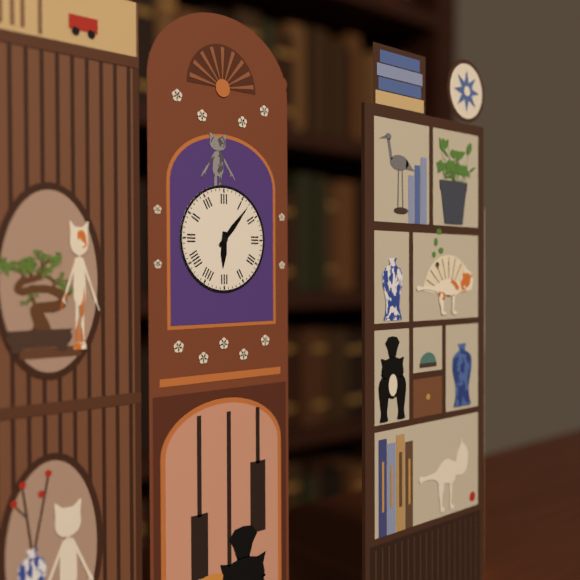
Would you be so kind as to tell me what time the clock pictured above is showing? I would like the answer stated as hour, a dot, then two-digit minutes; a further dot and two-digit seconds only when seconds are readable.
6.07
